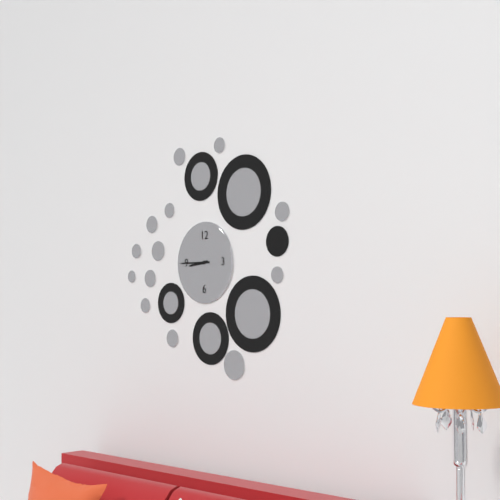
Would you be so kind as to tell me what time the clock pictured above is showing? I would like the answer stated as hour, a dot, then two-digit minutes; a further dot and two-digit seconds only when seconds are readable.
8.45
